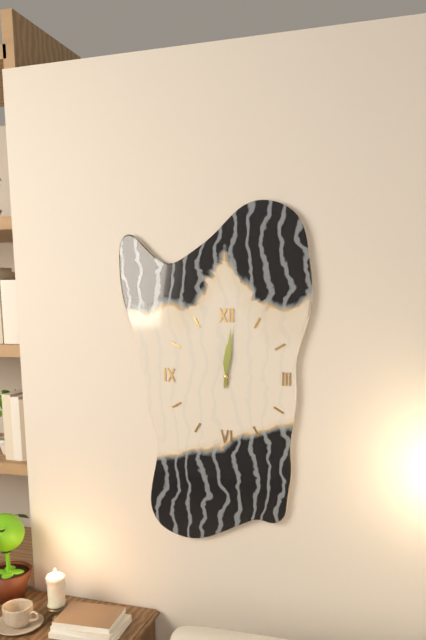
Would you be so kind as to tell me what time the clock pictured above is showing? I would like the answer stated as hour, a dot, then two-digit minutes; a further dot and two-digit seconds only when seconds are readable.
12.01
